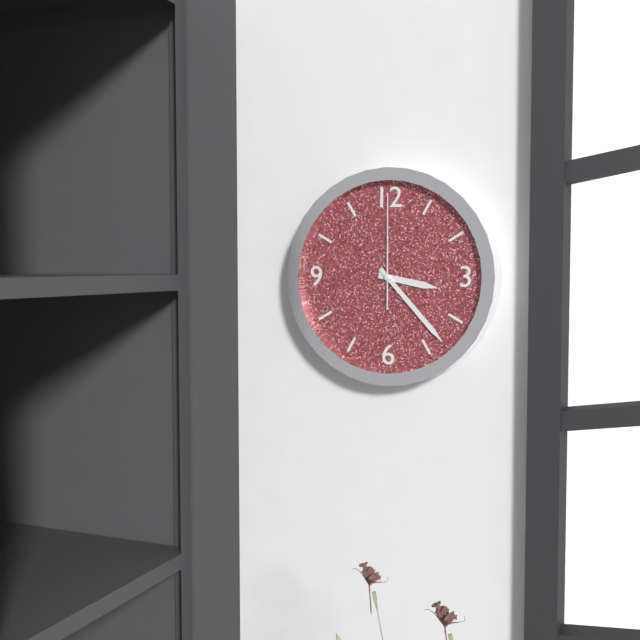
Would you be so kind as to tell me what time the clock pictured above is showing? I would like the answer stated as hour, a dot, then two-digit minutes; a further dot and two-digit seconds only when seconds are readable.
3.23.00
